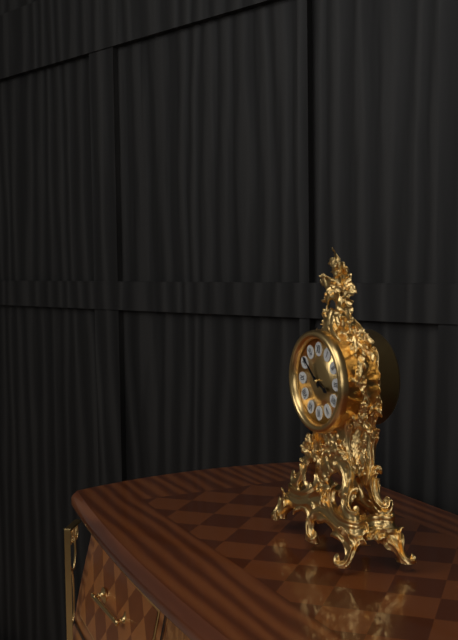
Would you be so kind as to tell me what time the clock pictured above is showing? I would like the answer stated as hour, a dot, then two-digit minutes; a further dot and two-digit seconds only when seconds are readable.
3.52
